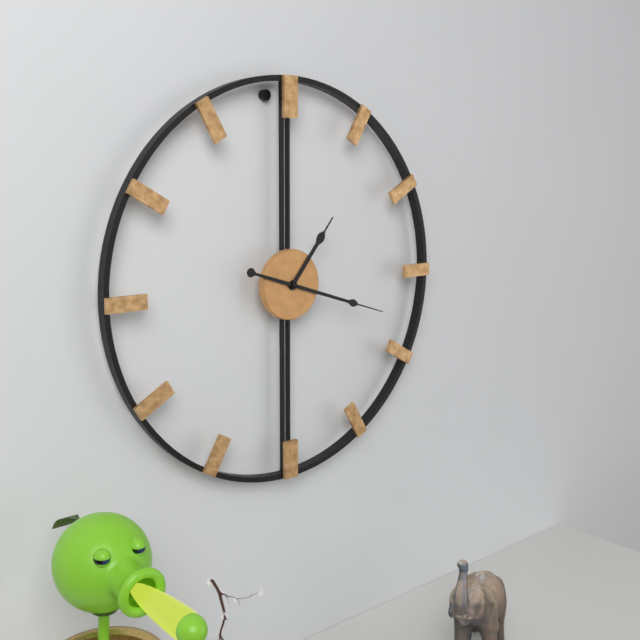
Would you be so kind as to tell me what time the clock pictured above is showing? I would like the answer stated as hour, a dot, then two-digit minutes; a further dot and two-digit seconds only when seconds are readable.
1.18
